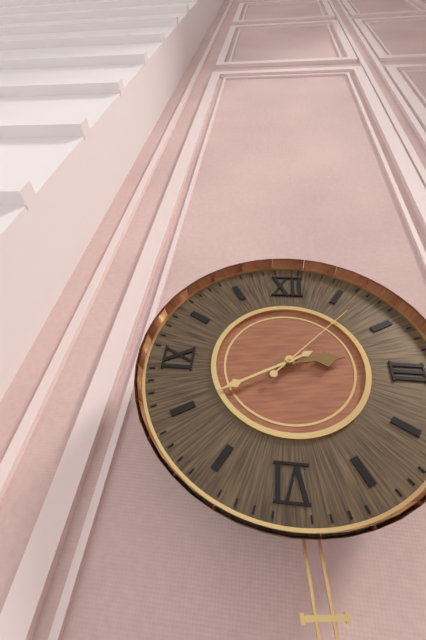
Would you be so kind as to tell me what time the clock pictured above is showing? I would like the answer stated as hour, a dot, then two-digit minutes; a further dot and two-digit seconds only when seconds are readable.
2.40.07
